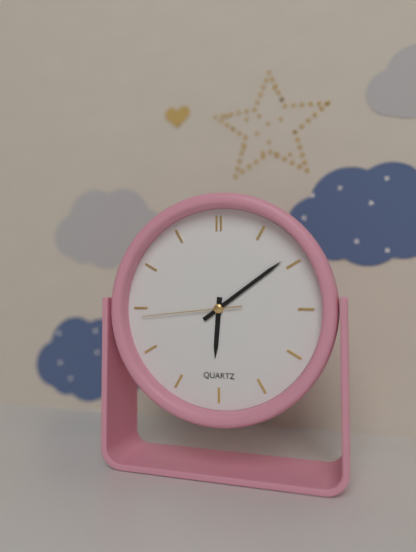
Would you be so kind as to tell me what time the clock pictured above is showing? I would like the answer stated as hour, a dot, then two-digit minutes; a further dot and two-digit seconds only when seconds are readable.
6.09.44
